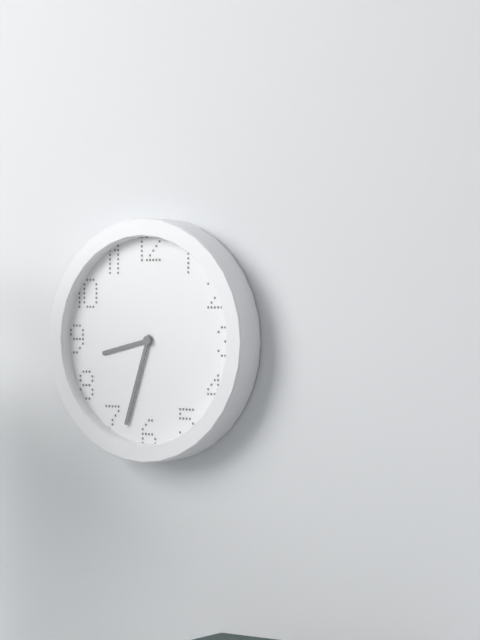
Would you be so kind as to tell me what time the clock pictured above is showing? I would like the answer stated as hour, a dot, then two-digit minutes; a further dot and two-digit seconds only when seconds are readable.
8.33
